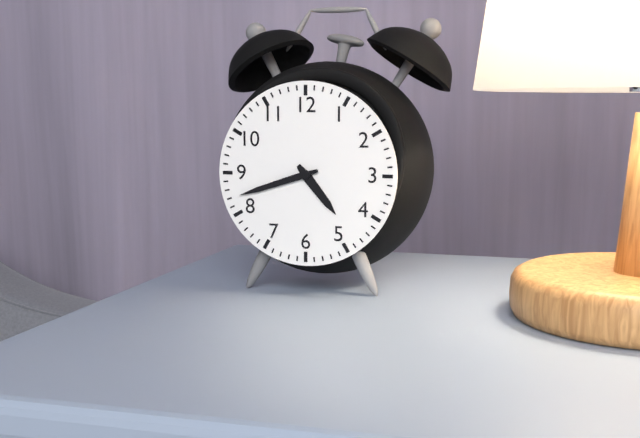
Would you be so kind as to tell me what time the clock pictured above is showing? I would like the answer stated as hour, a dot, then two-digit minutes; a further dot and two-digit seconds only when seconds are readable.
4.42
